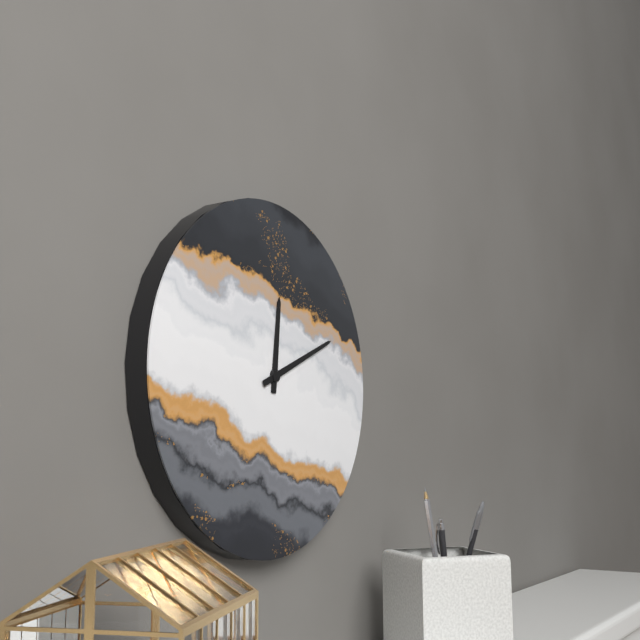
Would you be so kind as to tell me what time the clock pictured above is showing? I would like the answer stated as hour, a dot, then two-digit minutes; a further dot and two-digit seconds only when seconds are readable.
12.11
